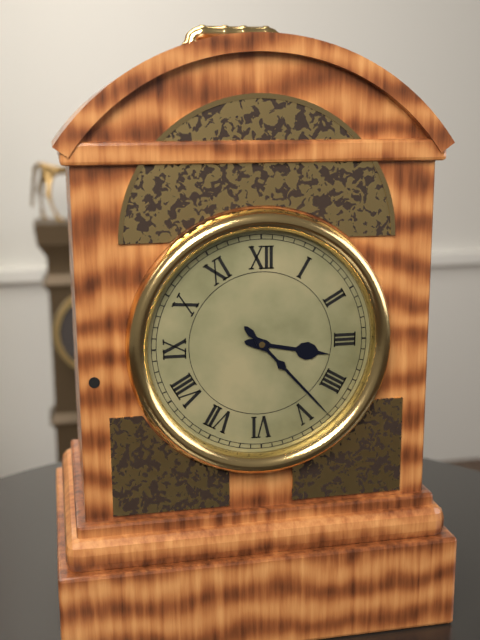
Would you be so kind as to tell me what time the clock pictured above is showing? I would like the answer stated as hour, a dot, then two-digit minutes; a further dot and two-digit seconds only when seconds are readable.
3.23
